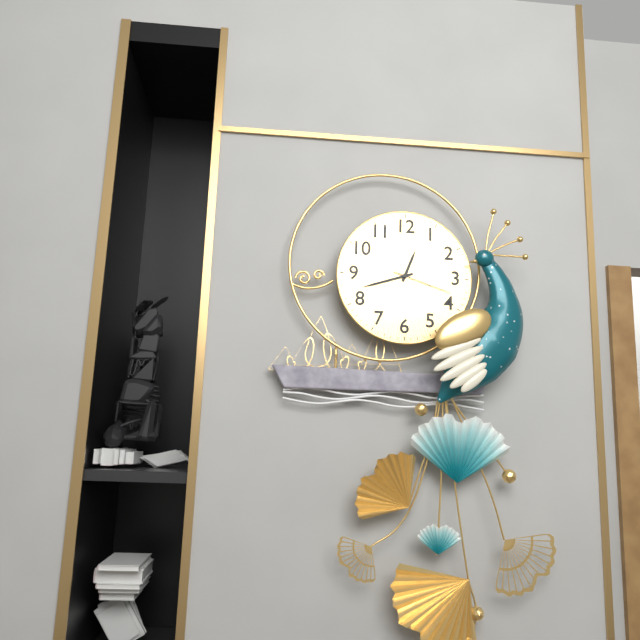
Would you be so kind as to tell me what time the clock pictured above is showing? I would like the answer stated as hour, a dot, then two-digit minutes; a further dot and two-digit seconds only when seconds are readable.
12.42.18
